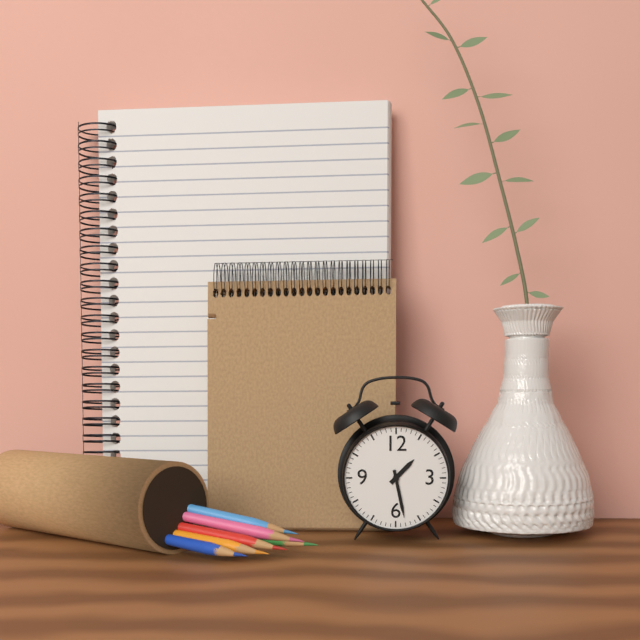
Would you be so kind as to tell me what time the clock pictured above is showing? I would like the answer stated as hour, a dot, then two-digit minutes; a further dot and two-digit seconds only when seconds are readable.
1.28
